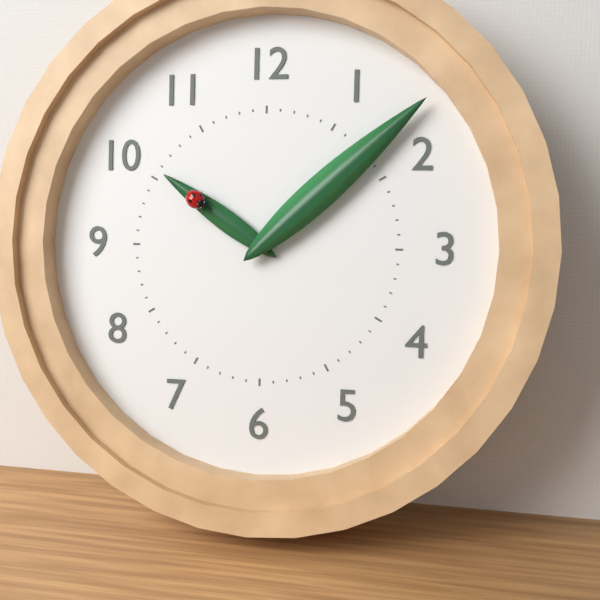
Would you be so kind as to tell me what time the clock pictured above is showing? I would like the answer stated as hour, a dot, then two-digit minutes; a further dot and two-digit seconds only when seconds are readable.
10.08
